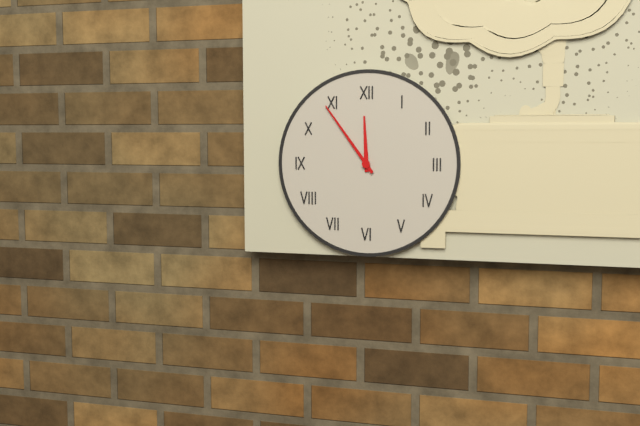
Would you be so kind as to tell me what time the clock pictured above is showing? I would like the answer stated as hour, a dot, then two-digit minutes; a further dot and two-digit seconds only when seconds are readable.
11.54
